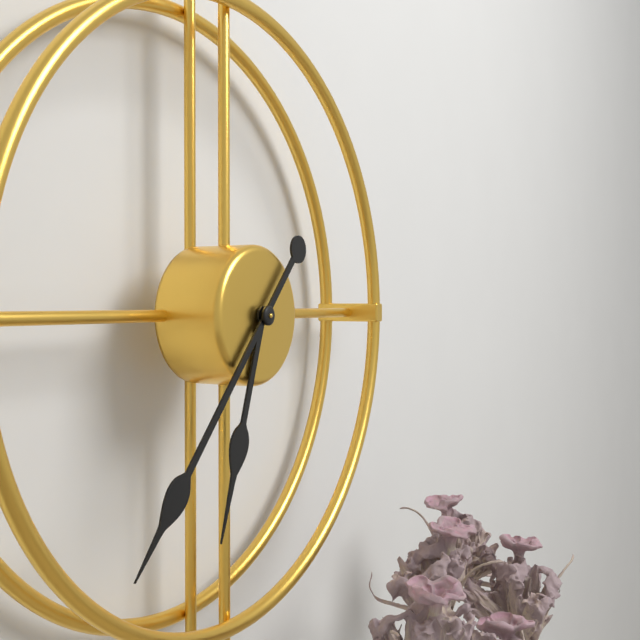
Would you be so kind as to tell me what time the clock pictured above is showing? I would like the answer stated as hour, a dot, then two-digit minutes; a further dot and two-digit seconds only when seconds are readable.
6.37
